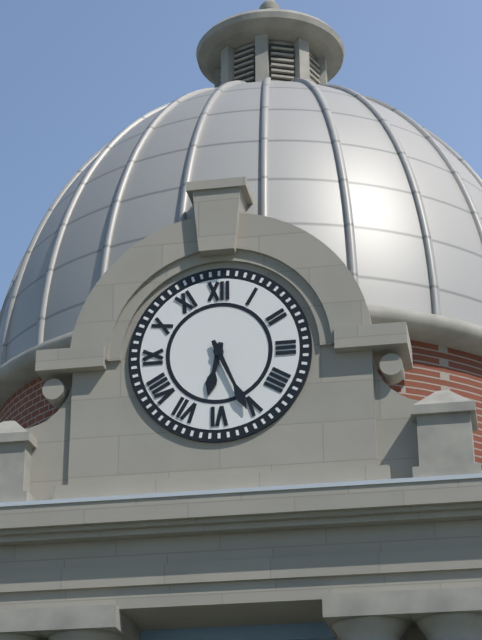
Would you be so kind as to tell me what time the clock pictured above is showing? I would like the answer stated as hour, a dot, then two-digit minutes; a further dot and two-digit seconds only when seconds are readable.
6.26
